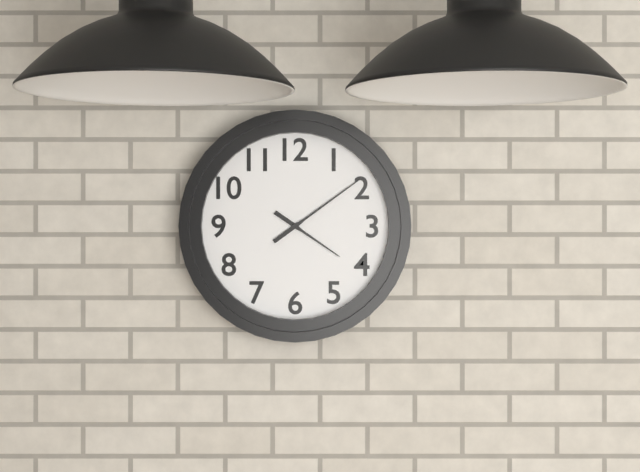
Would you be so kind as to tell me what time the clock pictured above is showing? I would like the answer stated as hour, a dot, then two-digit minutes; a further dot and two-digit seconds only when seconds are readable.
4.09
